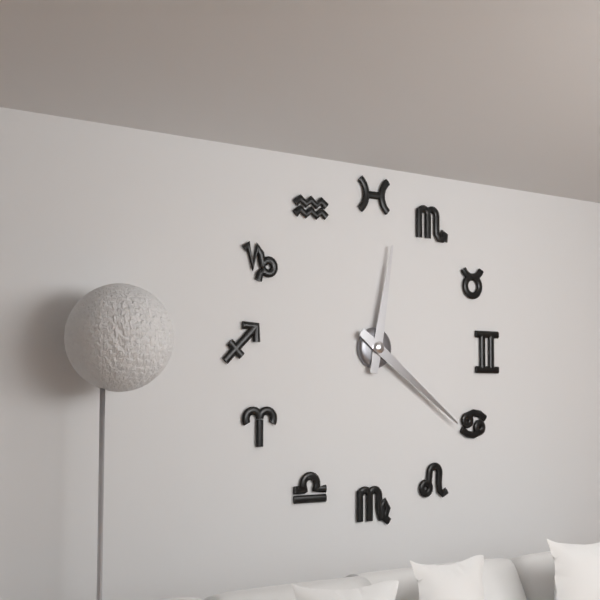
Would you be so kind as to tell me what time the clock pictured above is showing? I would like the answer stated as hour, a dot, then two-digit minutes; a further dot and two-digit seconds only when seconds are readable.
12.21
